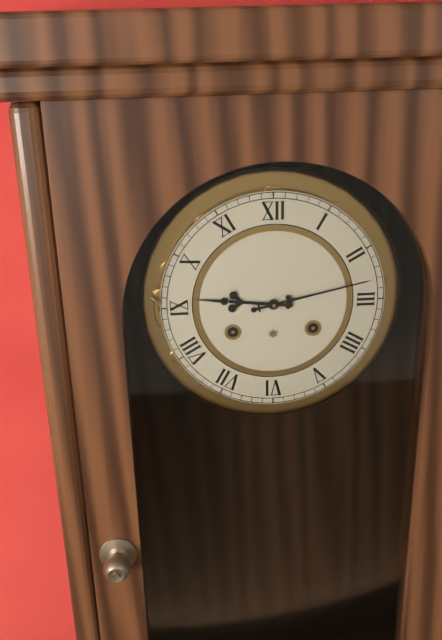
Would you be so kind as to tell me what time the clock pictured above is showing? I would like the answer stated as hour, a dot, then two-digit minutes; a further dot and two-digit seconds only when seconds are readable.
9.13
